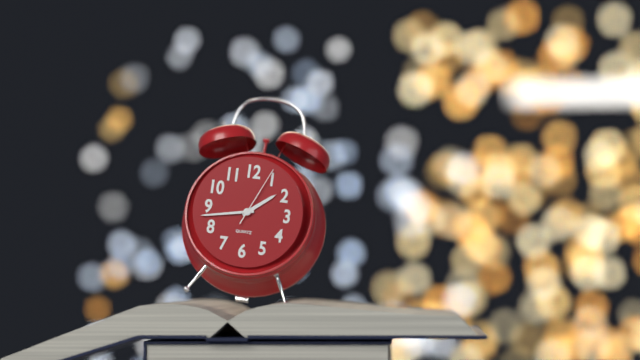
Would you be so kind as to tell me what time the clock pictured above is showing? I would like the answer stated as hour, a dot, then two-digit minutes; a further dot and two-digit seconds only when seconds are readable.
1.43.04
